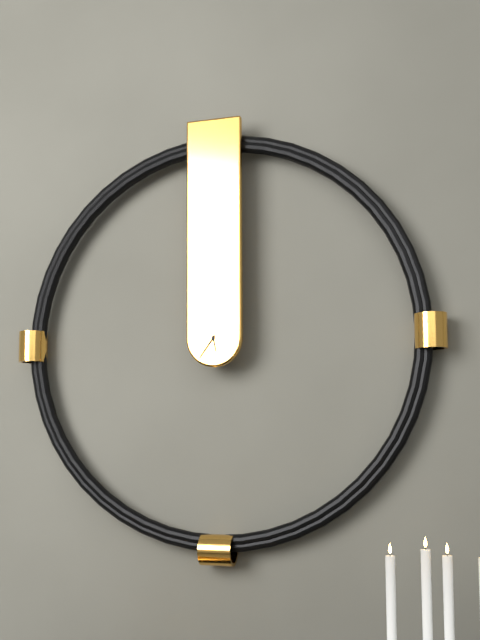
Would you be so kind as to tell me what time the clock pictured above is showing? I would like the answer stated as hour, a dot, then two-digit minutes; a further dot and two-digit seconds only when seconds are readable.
5.36
